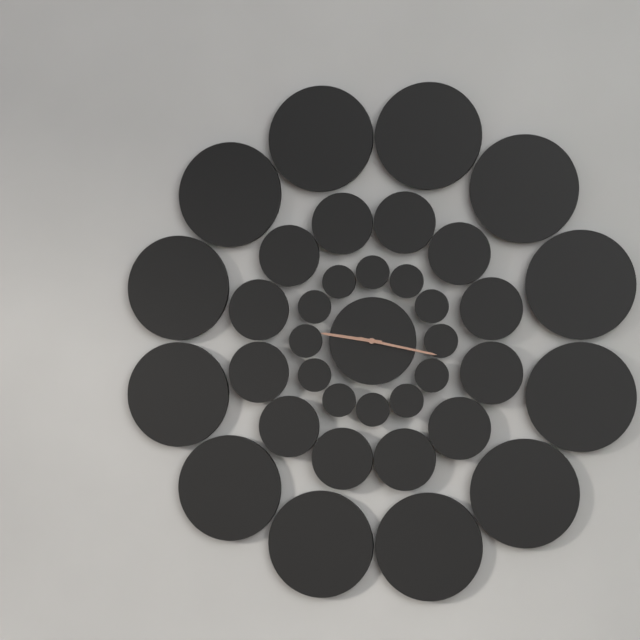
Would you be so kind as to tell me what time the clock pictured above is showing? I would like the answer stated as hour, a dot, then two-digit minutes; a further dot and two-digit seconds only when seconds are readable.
9.17
